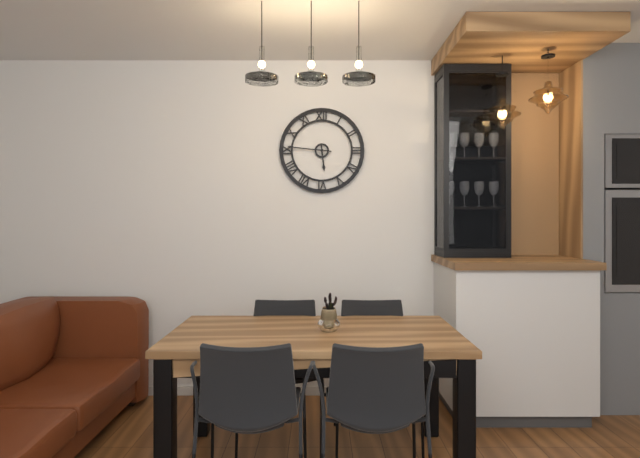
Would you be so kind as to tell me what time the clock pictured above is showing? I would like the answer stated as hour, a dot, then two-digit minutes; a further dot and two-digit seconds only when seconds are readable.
5.46
